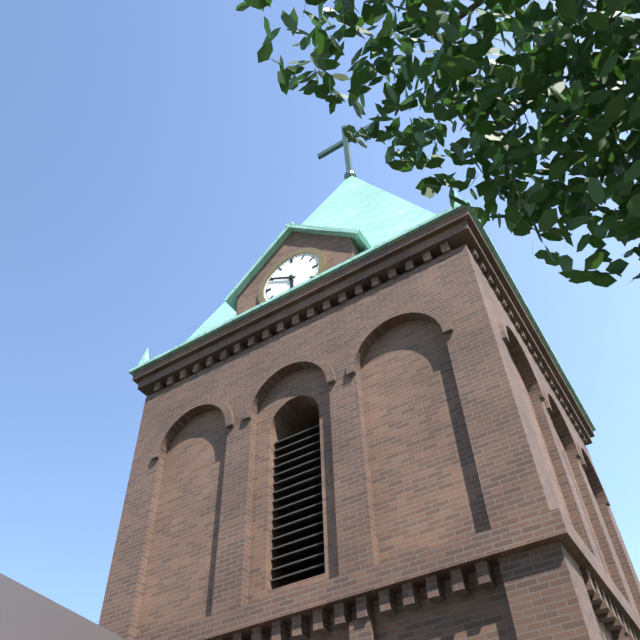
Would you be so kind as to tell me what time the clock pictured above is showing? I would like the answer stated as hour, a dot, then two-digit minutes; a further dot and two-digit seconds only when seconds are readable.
5.50
